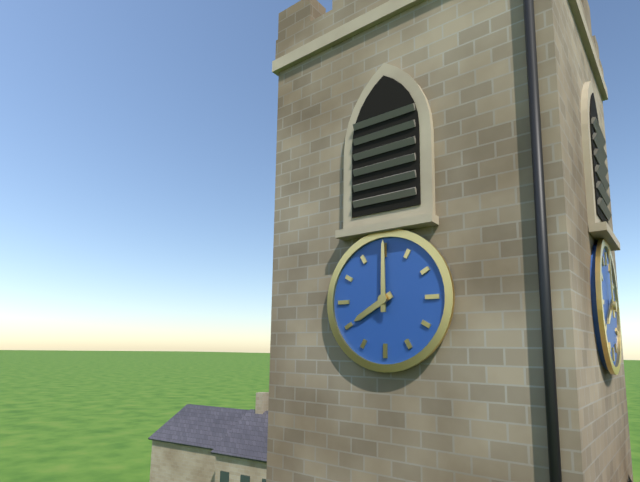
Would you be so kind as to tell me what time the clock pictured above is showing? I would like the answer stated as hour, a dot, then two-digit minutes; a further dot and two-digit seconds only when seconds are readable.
8.00
